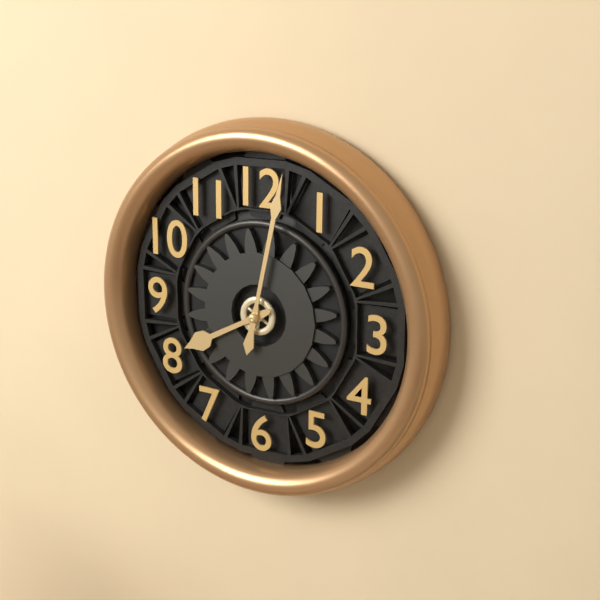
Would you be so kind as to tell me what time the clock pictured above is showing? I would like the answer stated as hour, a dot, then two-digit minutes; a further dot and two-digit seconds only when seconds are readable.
8.02
